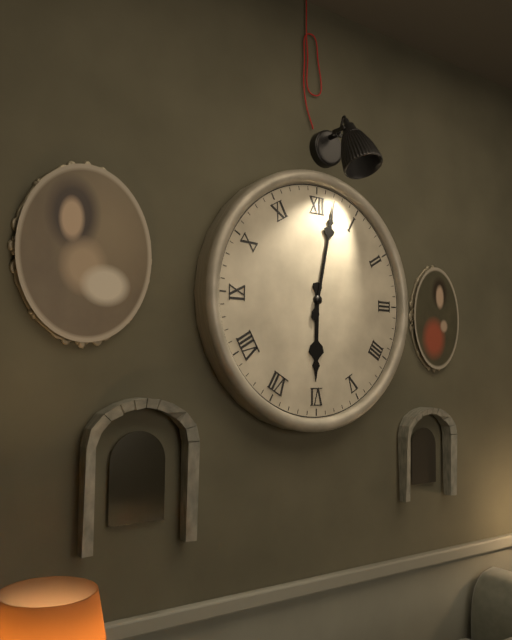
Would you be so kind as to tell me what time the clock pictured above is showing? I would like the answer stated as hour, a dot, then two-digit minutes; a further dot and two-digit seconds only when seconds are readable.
6.02
